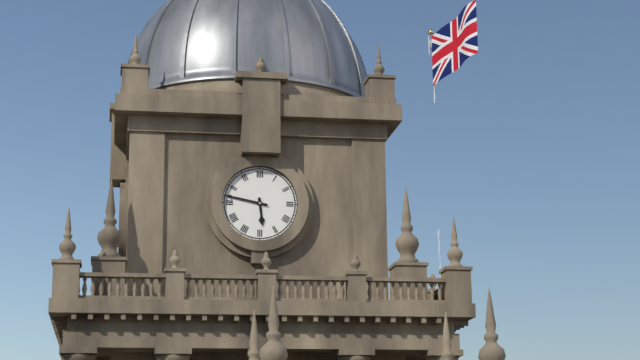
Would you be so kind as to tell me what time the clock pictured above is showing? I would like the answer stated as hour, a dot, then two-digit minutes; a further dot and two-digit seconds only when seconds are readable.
5.47
